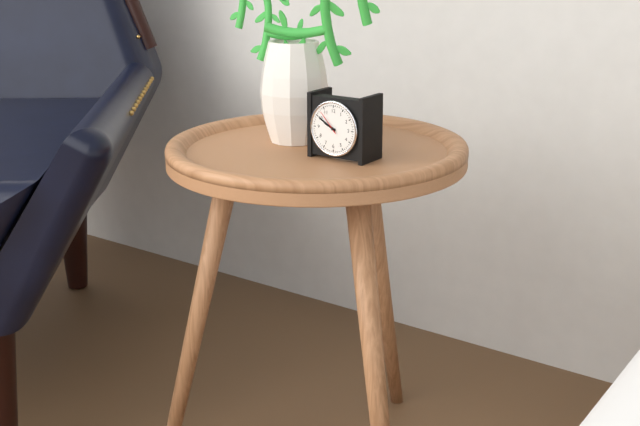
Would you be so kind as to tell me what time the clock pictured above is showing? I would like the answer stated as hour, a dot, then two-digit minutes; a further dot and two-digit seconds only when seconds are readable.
9.50
